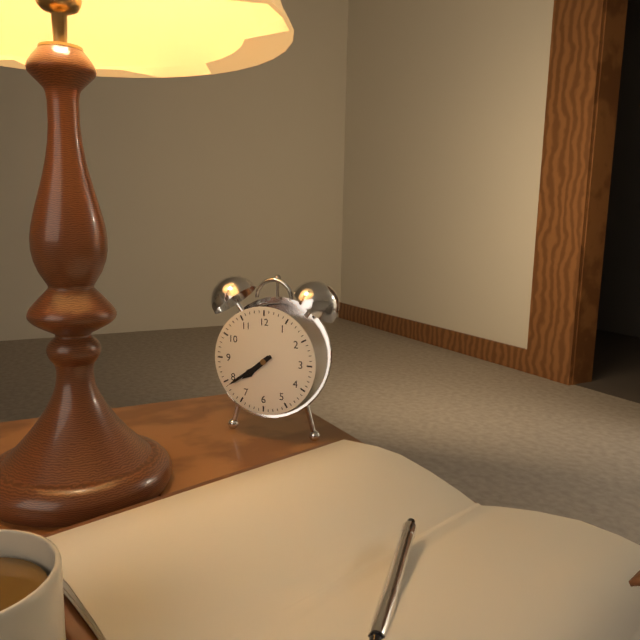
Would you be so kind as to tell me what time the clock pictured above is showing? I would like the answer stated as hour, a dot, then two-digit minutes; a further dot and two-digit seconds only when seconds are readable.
7.39
